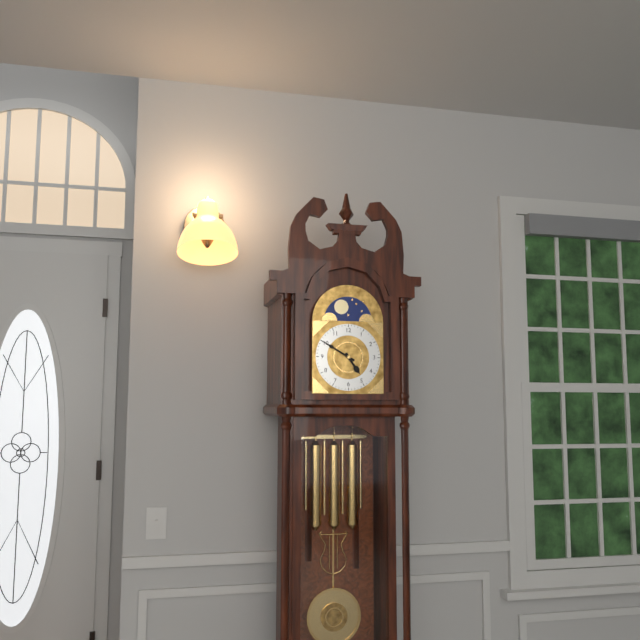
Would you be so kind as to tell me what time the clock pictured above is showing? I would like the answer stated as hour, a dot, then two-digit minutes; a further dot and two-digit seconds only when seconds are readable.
4.50
